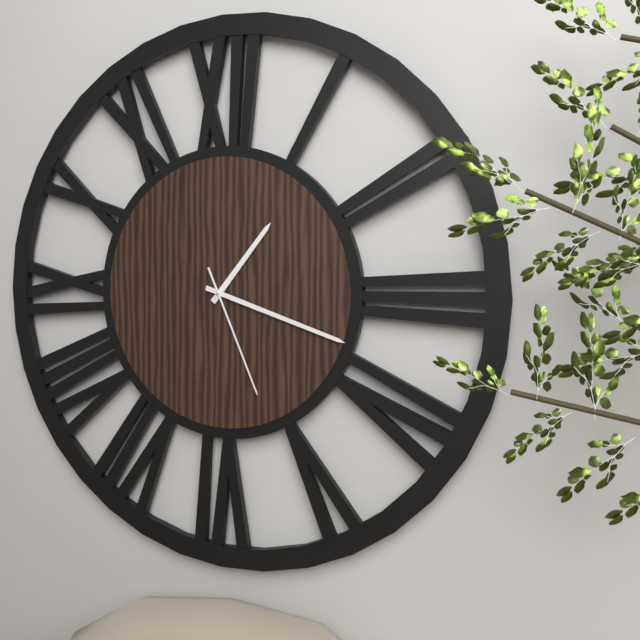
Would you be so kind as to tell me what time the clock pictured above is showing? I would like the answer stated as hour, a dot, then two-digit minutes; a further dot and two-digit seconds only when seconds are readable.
1.18.26
